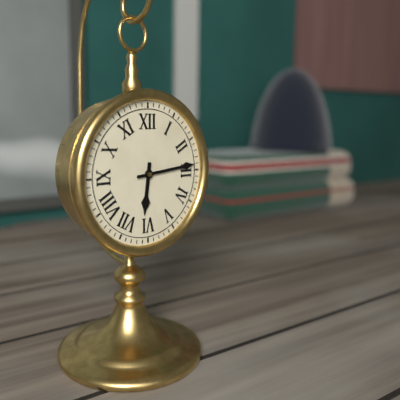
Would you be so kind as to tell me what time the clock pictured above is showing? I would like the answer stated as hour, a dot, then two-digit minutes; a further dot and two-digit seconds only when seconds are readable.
6.14
